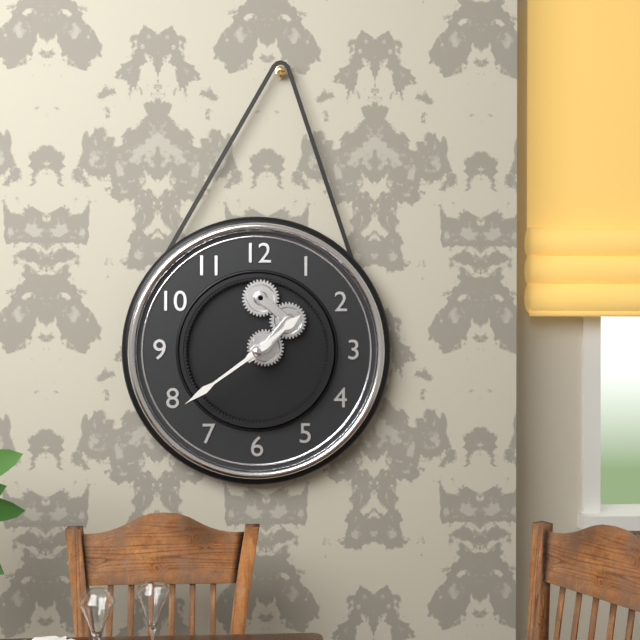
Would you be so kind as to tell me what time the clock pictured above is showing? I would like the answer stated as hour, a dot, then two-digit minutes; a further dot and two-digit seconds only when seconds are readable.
1.39
